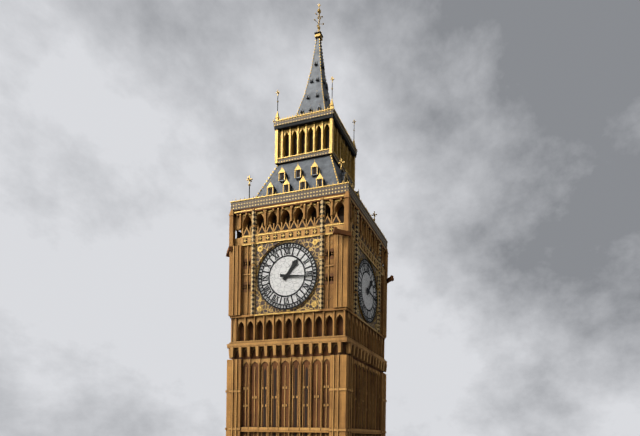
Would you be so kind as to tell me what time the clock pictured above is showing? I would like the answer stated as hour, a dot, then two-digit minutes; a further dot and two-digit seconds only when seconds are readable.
1.16
